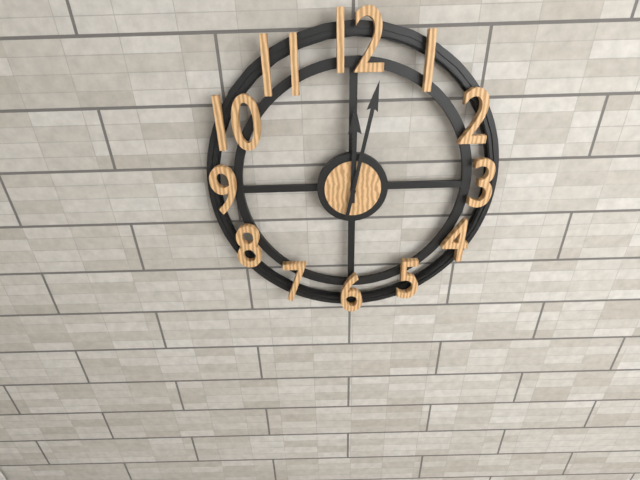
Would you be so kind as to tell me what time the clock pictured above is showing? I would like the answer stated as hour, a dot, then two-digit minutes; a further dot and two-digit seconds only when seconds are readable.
12.02
